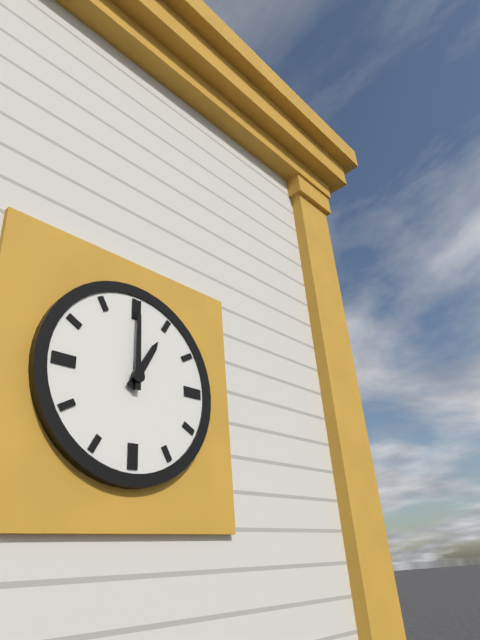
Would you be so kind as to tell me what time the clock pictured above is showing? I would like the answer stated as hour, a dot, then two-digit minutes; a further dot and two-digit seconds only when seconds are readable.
1.00
